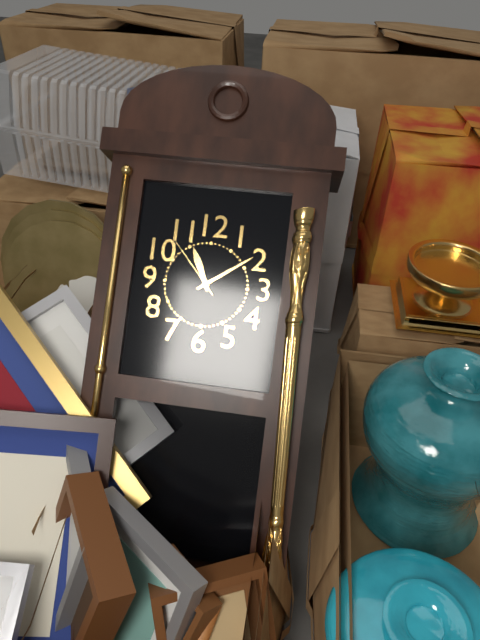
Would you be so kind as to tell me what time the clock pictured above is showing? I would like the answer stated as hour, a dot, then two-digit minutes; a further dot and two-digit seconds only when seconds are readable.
11.09.53
